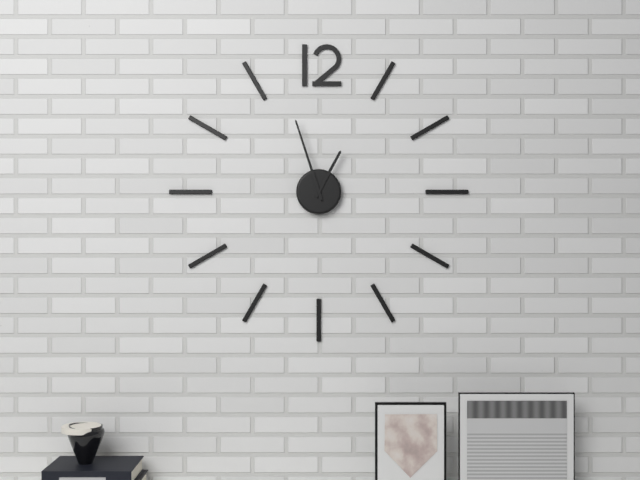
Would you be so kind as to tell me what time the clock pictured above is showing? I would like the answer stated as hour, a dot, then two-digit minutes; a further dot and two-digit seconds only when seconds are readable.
12.57
